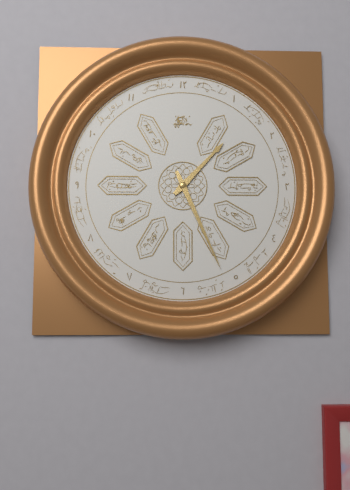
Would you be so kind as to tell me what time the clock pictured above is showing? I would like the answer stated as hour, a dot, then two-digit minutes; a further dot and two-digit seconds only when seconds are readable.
1.26
